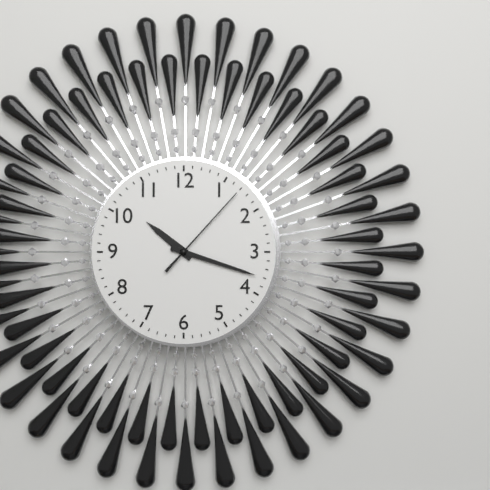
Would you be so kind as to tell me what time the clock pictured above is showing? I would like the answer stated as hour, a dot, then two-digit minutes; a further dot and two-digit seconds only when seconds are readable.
10.18.07
